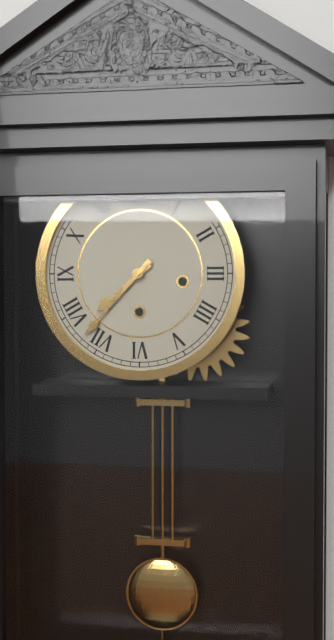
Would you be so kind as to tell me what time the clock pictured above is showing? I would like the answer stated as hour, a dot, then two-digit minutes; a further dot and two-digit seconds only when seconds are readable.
7.37
